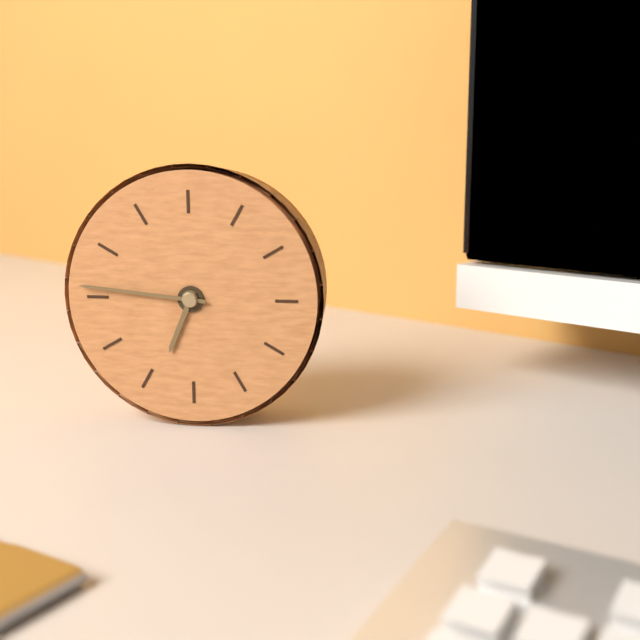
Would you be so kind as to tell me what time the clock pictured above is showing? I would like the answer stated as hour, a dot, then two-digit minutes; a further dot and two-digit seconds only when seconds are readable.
6.46
